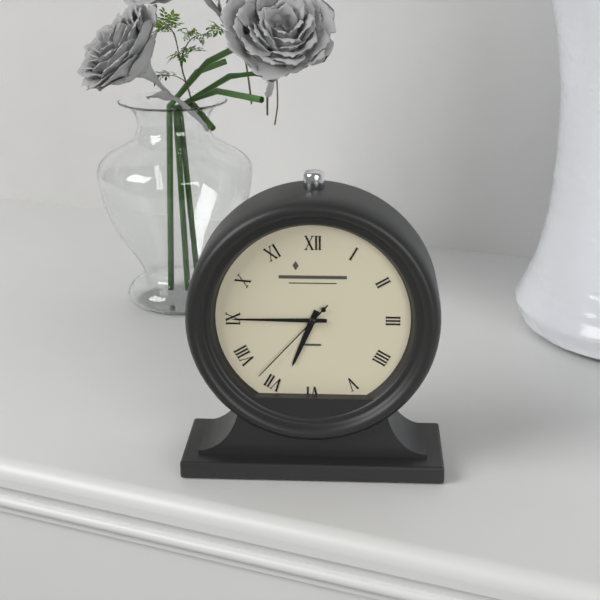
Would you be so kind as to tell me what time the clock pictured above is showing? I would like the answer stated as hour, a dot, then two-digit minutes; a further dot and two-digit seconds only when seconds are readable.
6.45.37
